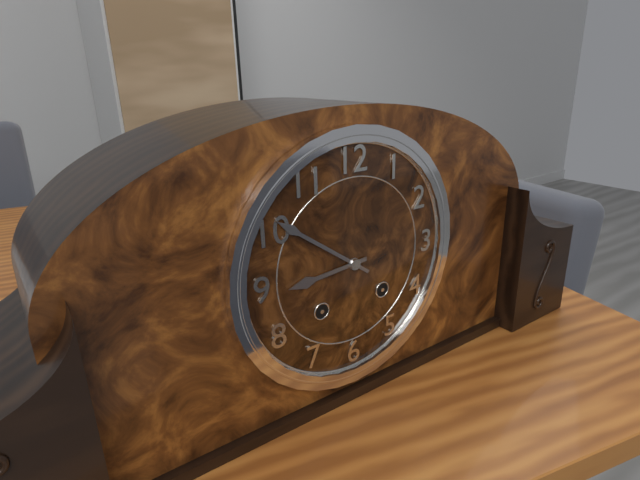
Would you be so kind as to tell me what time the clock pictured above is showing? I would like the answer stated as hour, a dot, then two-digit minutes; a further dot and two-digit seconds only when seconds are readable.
8.51
